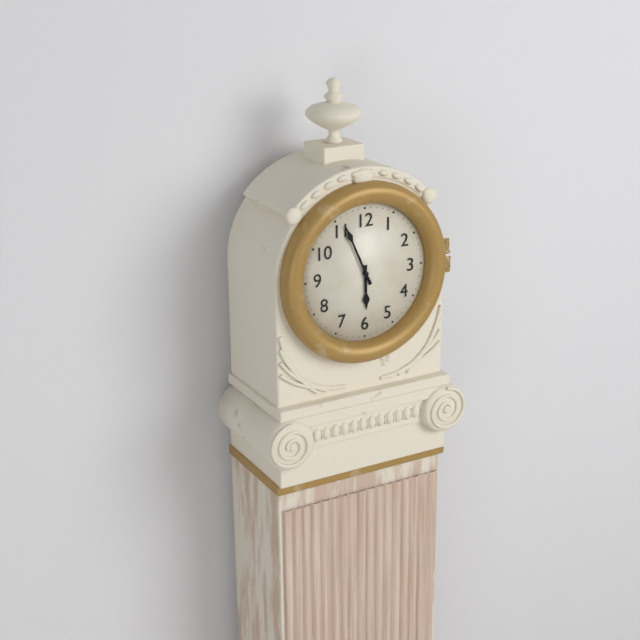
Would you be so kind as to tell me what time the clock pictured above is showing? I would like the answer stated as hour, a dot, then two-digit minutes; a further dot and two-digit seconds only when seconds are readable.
5.56
